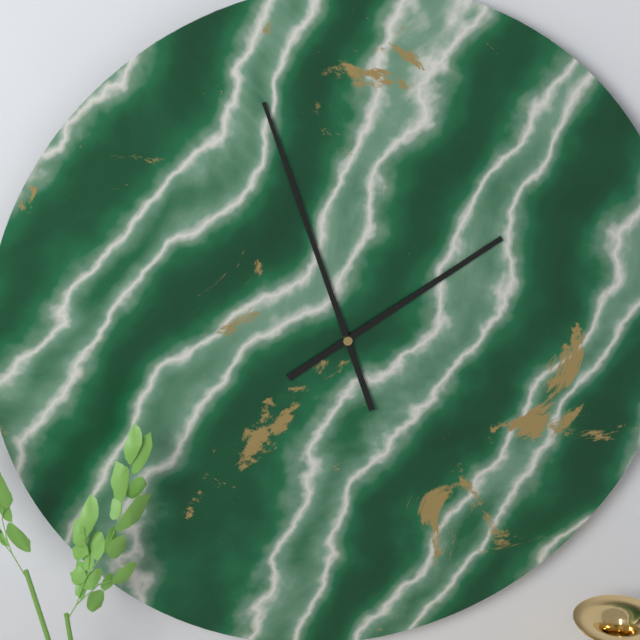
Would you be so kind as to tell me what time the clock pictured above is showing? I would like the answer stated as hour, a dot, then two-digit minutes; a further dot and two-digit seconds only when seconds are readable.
1.57
